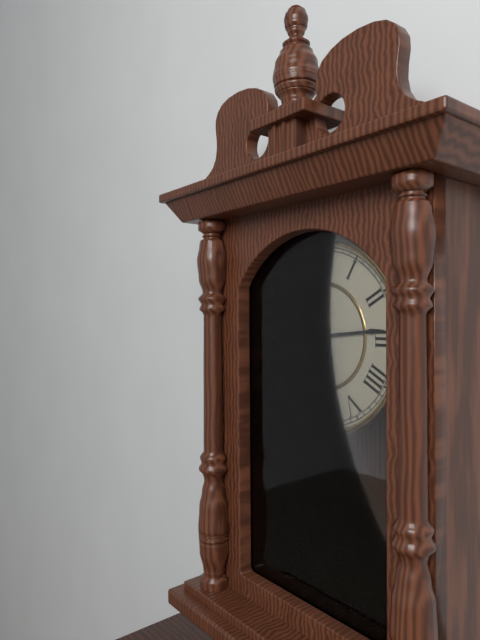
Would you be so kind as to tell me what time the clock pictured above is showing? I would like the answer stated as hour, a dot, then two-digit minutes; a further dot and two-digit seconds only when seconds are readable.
6.14
